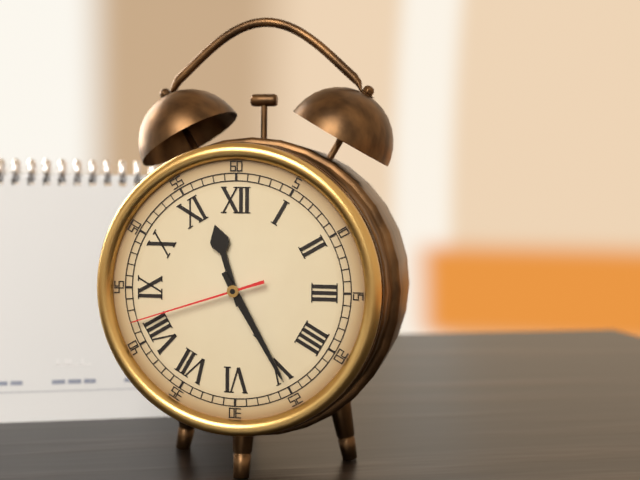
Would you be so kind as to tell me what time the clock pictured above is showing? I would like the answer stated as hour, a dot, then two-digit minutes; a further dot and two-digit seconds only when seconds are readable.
11.25.42
